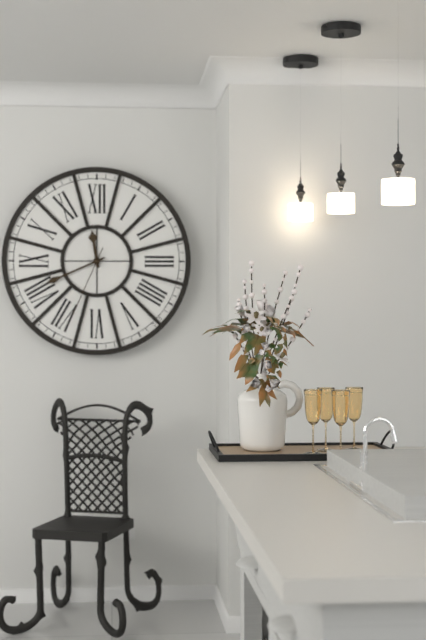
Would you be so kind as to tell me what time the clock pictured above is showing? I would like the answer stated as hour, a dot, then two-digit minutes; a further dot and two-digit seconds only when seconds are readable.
11.41.34
